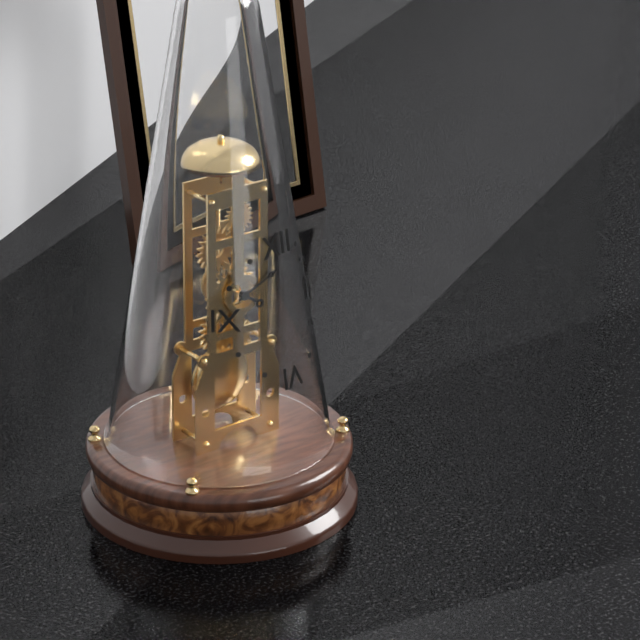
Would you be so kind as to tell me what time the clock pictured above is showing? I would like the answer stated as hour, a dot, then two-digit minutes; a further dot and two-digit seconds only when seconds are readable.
4.11
